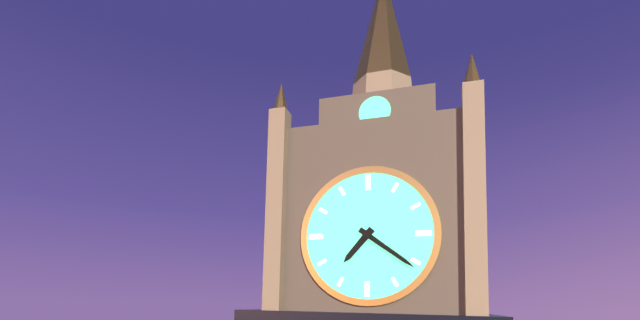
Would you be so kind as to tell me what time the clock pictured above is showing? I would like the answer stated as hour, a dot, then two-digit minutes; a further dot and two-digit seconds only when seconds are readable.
7.21
